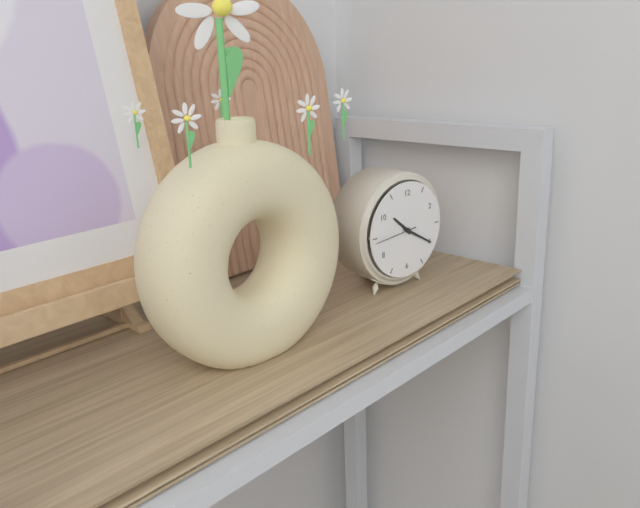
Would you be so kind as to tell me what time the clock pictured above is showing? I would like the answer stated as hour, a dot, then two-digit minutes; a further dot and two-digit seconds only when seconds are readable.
10.20
